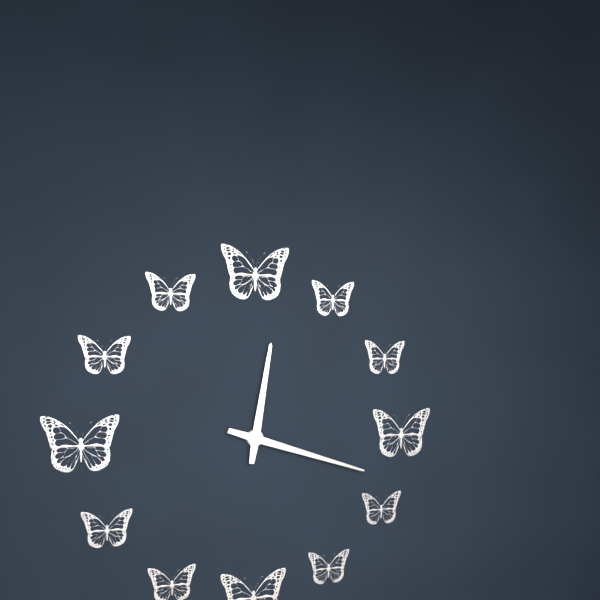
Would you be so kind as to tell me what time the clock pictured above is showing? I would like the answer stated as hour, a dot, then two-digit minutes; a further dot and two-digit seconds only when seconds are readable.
12.18
